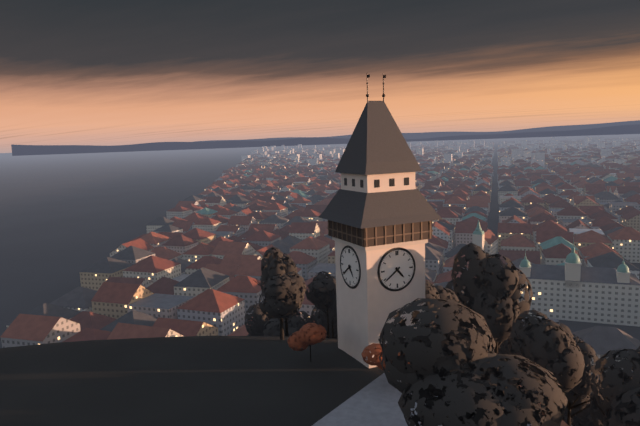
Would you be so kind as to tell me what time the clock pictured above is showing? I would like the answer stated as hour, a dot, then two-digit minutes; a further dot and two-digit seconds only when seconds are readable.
4.39
